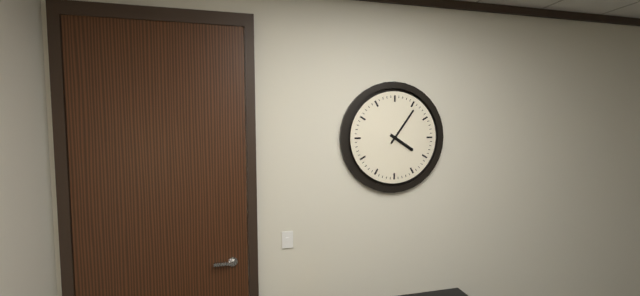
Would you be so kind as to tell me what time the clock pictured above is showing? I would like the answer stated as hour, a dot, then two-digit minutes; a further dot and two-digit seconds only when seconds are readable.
4.06
